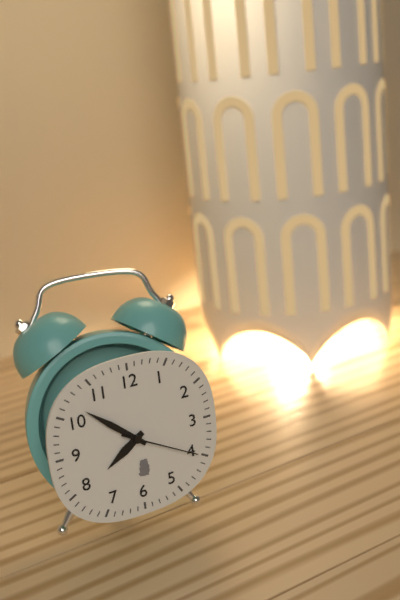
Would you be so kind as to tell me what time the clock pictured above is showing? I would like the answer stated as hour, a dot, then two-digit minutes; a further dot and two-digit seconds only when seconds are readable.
7.52.20
